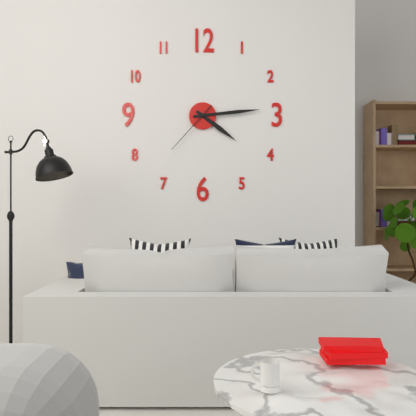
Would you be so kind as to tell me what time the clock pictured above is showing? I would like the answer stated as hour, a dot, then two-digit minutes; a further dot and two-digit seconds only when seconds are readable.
4.14.37
